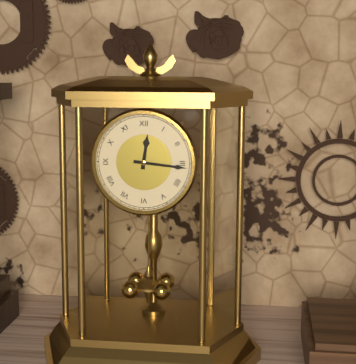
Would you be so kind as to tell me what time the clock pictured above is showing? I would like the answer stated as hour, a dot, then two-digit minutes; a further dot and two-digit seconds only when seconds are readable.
12.16
